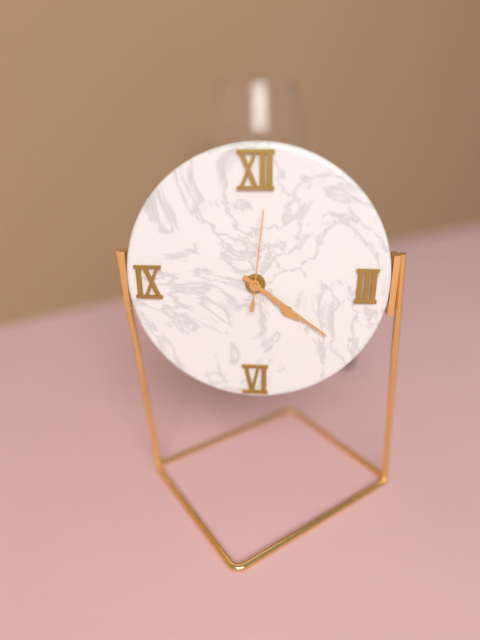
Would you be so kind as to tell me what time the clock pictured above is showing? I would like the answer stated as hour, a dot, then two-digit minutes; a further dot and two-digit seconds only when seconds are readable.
4.21.01
